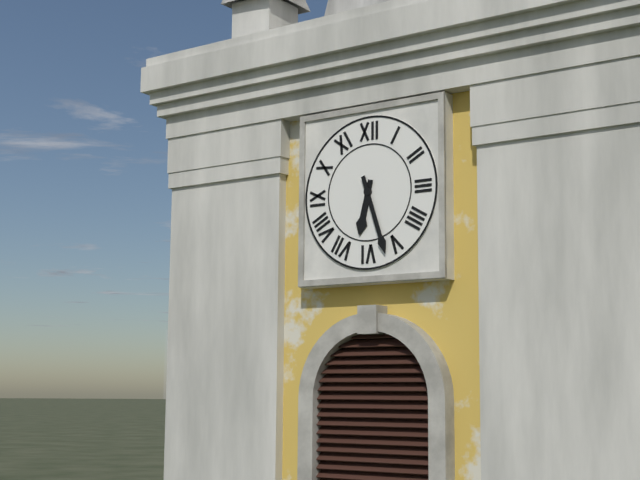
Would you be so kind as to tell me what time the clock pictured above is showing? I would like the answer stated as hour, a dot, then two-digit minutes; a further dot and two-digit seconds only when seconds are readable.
6.27
